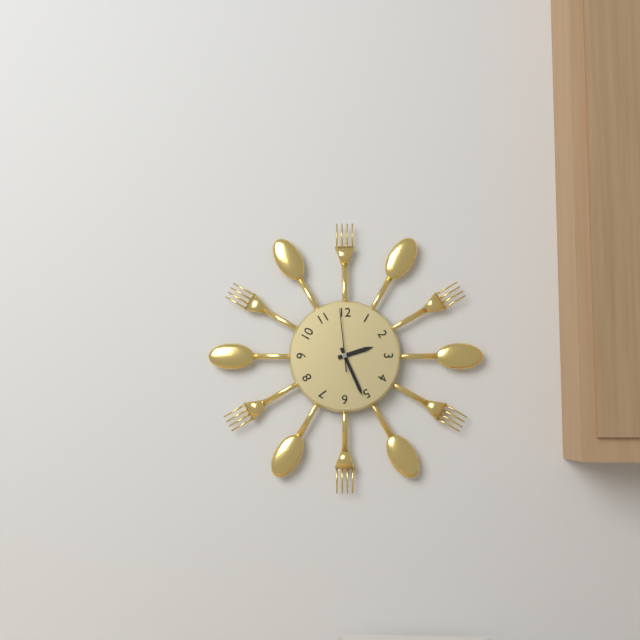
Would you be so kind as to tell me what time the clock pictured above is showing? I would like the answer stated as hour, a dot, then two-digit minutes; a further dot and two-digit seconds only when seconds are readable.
2.26.59
